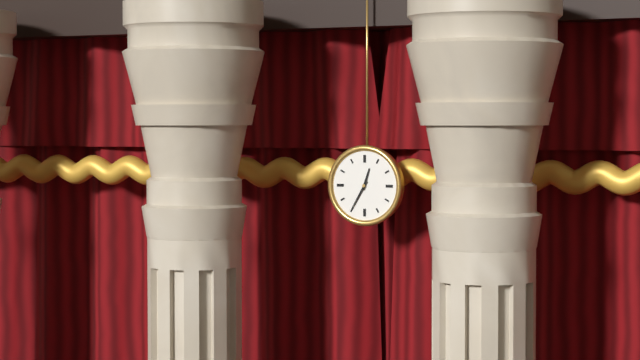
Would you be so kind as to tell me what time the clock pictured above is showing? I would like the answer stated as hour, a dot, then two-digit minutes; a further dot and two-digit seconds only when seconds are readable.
12.35
